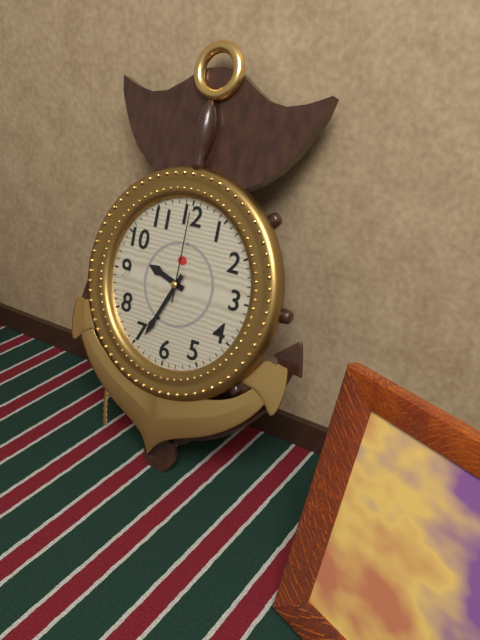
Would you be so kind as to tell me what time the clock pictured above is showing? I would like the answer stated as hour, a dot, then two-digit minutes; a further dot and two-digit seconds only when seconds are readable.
9.34.00
